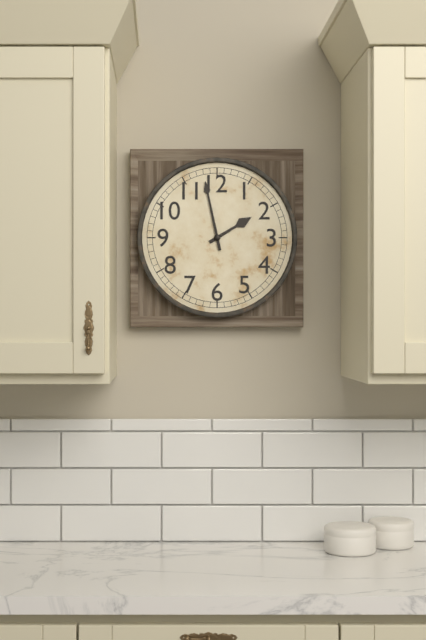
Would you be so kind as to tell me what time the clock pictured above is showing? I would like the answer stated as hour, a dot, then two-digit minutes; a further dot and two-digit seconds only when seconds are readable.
1.58
